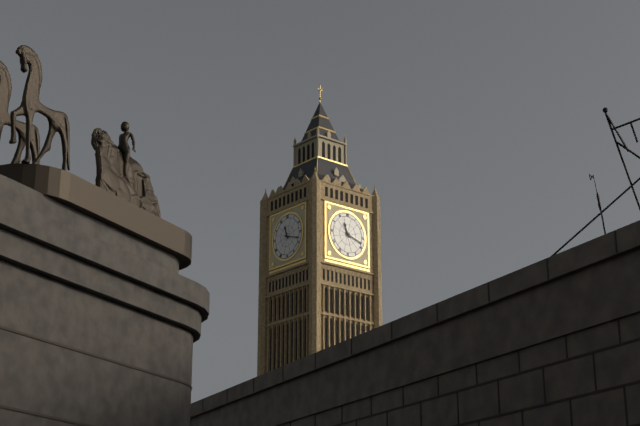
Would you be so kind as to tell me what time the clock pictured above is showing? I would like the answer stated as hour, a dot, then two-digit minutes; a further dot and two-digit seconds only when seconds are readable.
11.18
